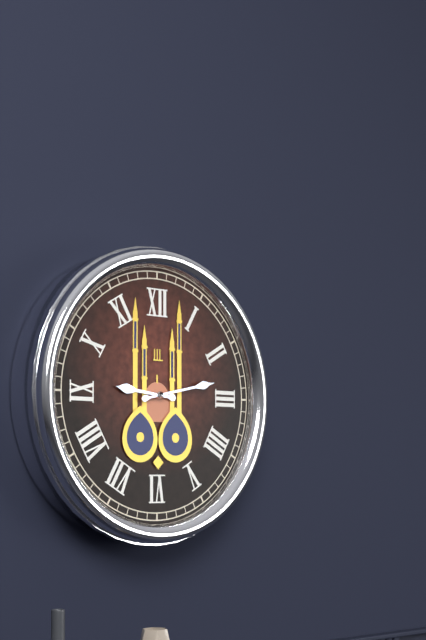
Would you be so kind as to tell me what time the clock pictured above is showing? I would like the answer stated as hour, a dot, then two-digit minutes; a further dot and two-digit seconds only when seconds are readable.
9.13
